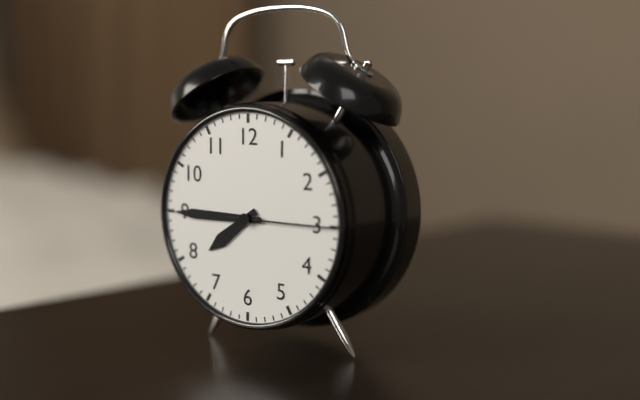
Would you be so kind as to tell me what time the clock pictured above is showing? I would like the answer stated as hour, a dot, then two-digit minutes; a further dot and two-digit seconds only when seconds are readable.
7.45.15
